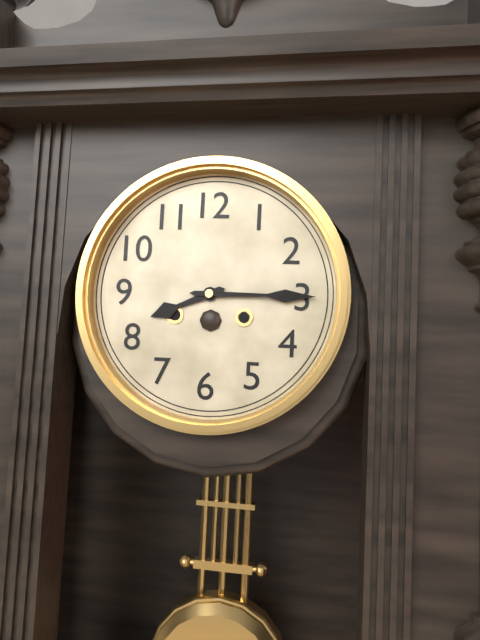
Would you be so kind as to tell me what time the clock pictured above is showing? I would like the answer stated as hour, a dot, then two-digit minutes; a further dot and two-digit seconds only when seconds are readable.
8.15
